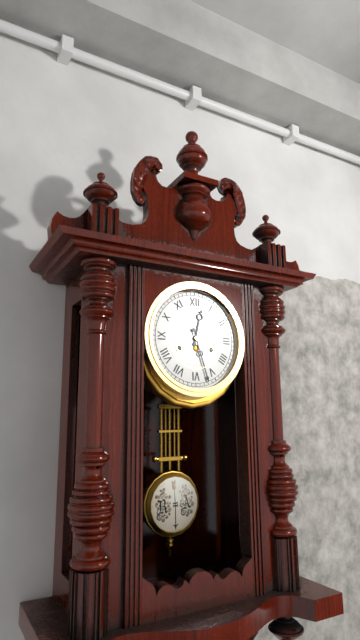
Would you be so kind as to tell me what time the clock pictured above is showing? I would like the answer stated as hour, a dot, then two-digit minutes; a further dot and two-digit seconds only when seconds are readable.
12.27
